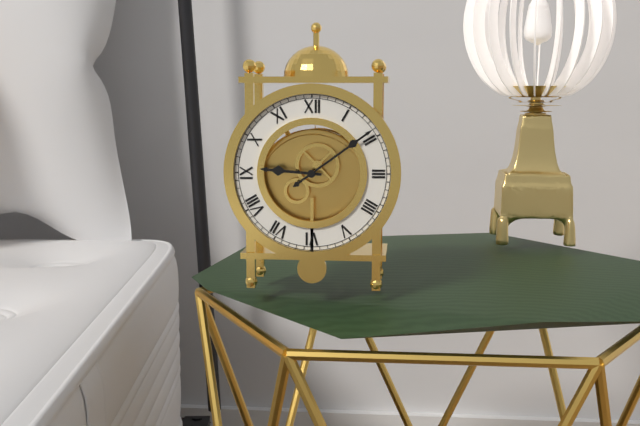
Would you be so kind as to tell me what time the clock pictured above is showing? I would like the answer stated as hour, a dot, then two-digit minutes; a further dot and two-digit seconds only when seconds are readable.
9.09
